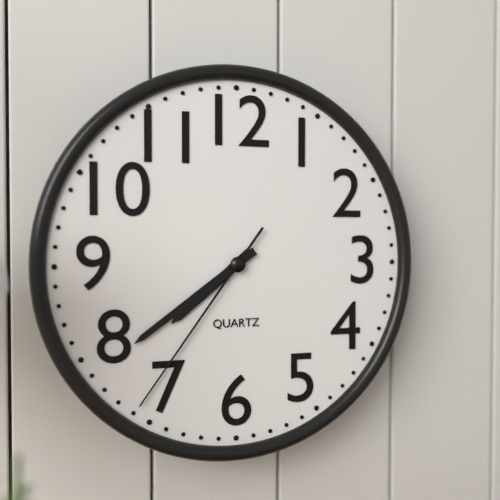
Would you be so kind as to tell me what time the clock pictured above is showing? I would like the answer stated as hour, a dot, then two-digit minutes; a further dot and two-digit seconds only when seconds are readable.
7.39.36
